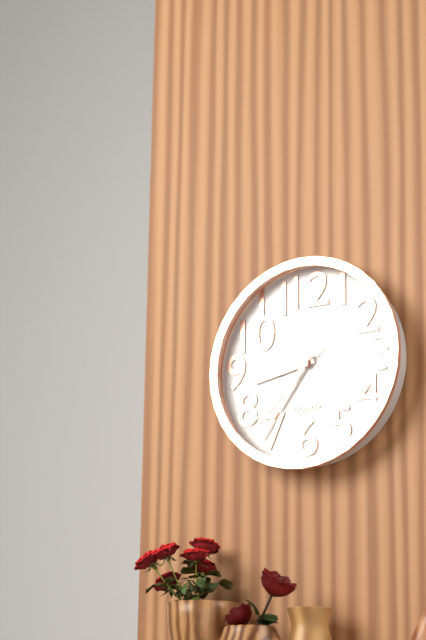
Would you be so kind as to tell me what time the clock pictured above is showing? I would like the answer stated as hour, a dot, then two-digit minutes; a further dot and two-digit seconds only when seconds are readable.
8.36.38
